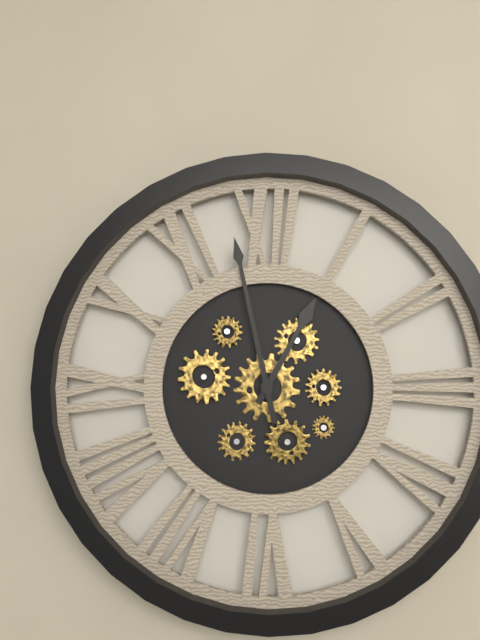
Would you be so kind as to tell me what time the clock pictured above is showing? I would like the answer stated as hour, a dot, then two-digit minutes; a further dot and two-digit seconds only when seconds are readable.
12.58
